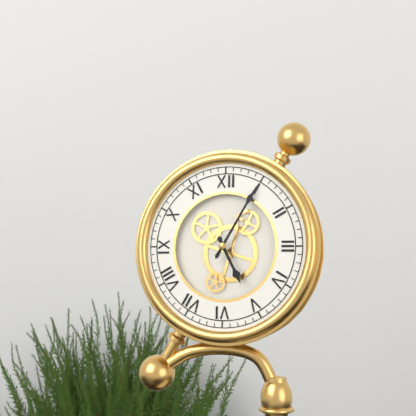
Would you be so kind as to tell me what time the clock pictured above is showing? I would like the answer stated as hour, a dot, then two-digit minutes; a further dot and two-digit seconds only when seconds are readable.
5.05
